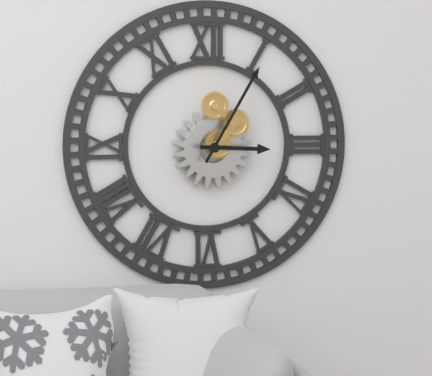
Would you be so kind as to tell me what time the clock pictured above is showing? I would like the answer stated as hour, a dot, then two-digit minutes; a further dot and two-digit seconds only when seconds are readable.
3.05
